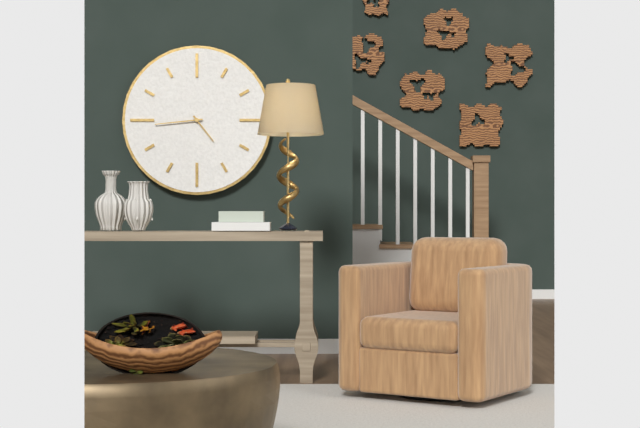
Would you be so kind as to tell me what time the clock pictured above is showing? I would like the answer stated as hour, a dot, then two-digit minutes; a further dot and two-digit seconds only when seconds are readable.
4.44
